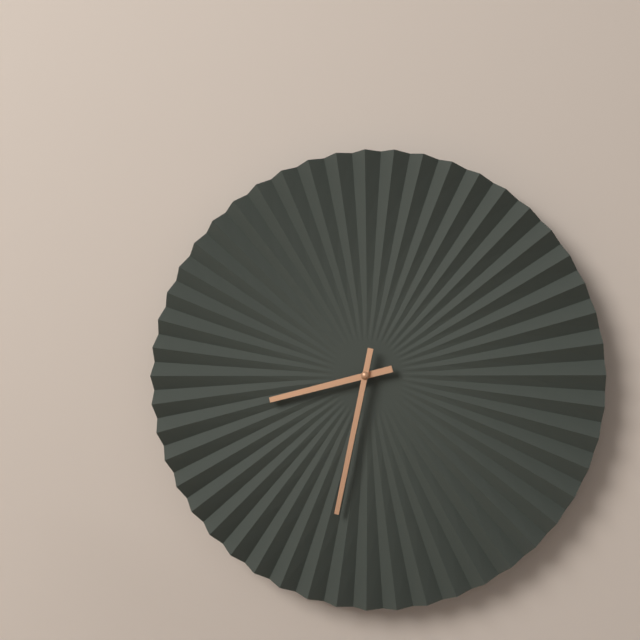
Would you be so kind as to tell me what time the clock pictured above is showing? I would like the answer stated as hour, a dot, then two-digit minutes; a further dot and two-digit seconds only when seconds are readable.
8.32
